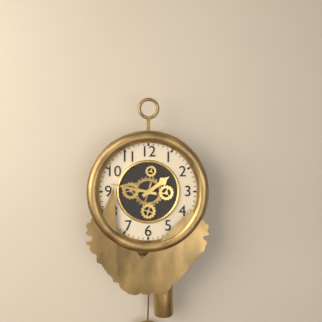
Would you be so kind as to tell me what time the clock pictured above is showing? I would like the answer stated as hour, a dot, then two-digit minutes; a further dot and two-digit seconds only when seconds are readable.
1.47
